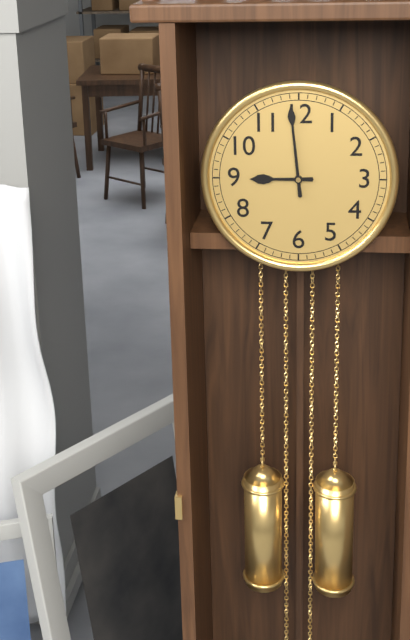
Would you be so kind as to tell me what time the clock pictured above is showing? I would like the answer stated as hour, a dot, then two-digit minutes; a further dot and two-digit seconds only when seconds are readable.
8.59
